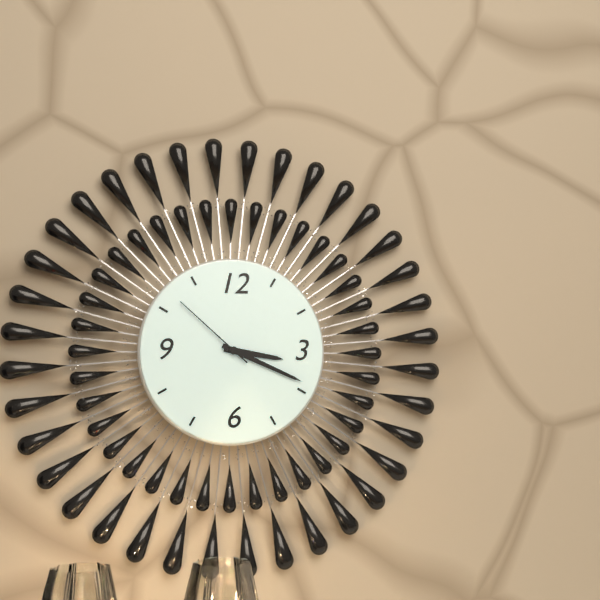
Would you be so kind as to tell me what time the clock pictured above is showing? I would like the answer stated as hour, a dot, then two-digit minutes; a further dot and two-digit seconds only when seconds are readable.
3.19.52
